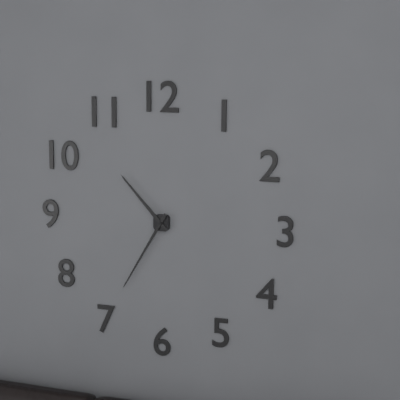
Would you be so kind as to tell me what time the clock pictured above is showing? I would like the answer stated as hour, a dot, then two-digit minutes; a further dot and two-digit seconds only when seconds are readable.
10.35
